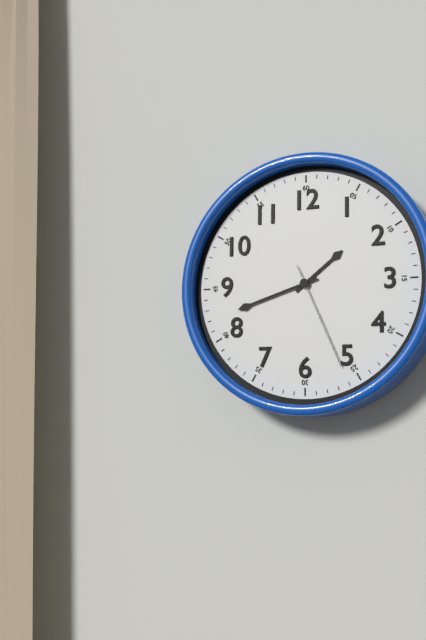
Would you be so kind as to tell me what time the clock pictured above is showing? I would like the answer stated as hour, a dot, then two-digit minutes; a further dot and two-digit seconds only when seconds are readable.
1.42.26
